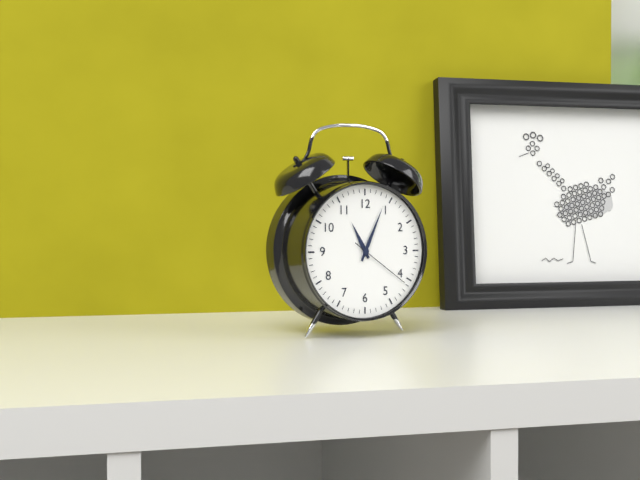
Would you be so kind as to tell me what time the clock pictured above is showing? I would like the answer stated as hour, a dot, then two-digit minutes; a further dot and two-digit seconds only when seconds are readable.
11.04.21
